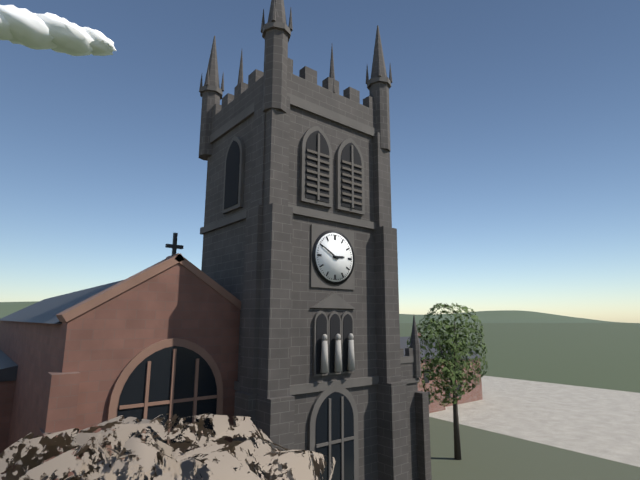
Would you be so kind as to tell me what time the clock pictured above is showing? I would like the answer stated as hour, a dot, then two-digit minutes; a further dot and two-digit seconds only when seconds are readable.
2.50
